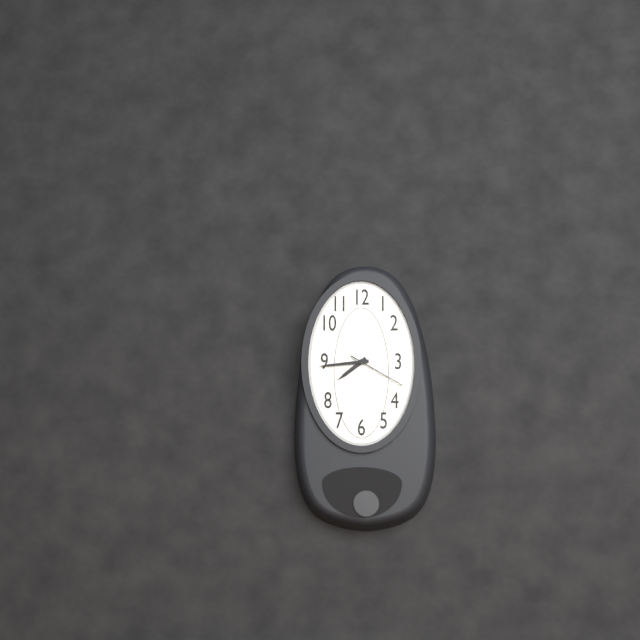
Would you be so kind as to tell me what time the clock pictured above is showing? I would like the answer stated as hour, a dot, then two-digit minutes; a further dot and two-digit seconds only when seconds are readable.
7.44.20
